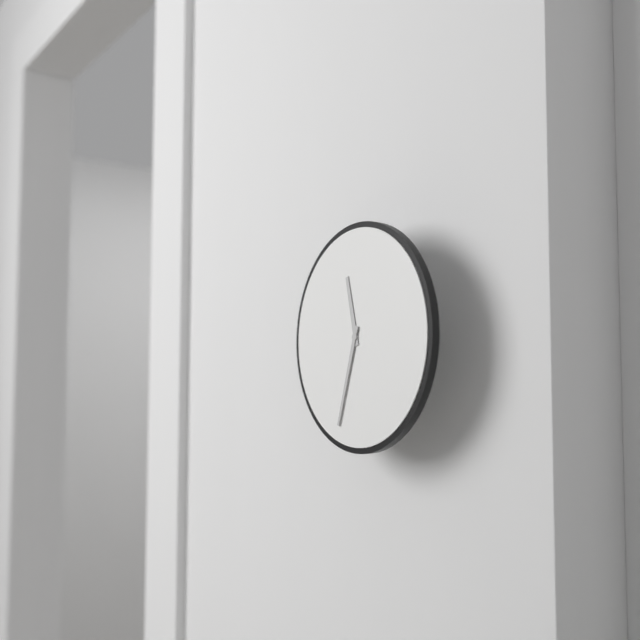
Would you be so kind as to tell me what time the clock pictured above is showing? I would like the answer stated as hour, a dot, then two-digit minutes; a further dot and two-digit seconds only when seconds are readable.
11.33
